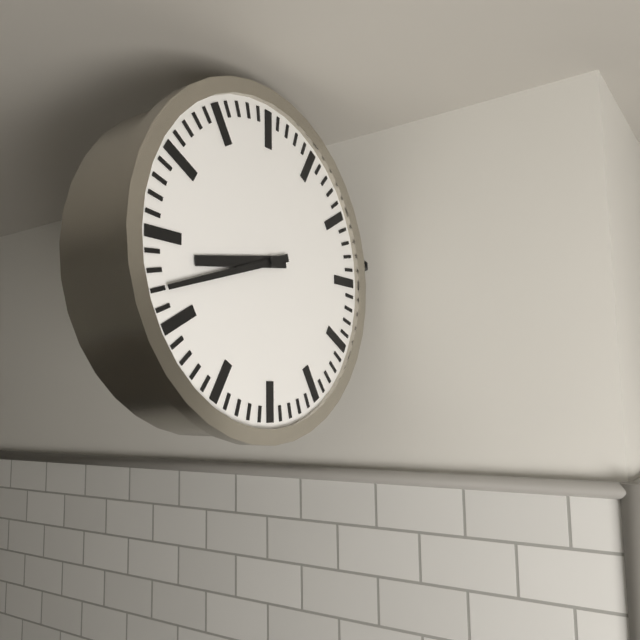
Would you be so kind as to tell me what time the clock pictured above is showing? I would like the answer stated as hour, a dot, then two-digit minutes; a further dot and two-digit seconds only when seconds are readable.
8.42
